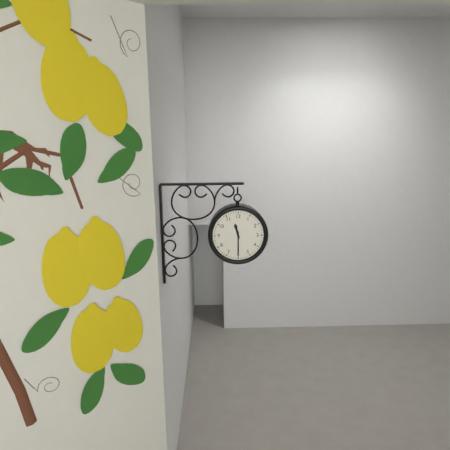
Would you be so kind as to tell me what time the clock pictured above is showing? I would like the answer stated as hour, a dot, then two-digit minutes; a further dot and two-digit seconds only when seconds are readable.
11.30
